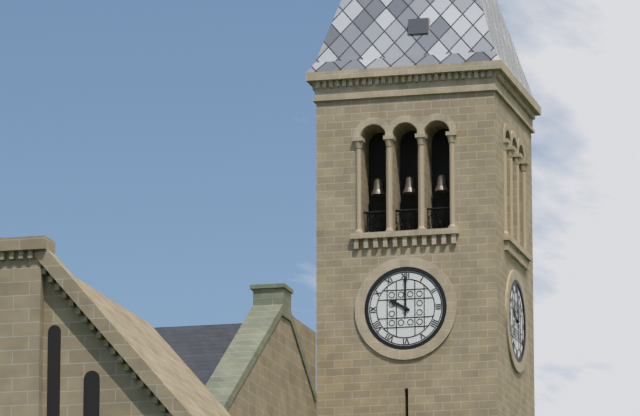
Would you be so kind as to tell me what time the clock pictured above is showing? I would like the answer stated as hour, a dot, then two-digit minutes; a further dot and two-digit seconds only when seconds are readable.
10.00
